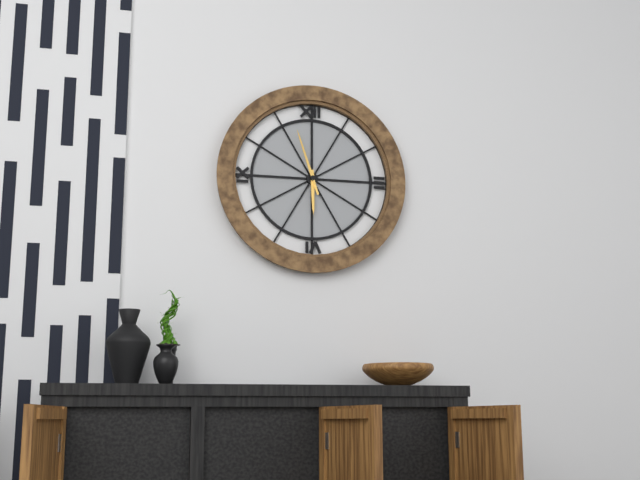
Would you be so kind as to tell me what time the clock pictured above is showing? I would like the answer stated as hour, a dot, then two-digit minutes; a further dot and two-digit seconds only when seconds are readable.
5.57
